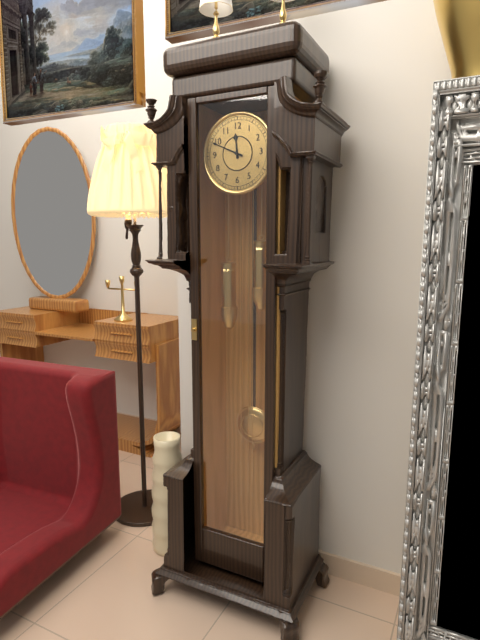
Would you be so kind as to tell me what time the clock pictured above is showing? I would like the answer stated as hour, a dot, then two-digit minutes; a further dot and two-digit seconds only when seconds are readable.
11.49
